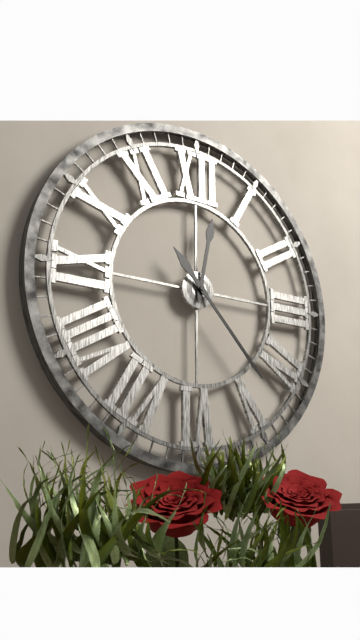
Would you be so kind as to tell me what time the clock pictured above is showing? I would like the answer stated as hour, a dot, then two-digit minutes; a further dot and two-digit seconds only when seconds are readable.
12.23
